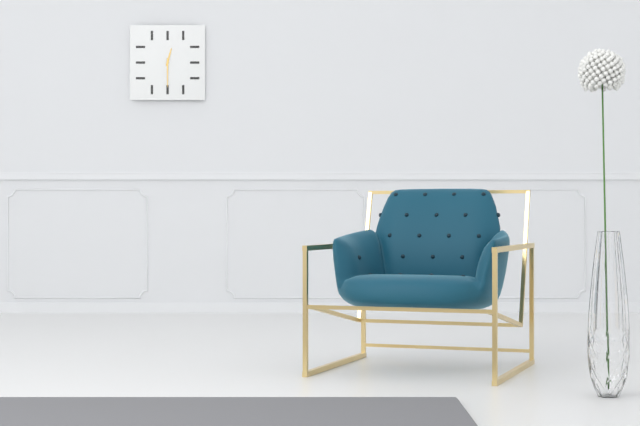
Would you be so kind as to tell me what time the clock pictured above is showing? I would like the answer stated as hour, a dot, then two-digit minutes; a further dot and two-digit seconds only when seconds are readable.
12.30
